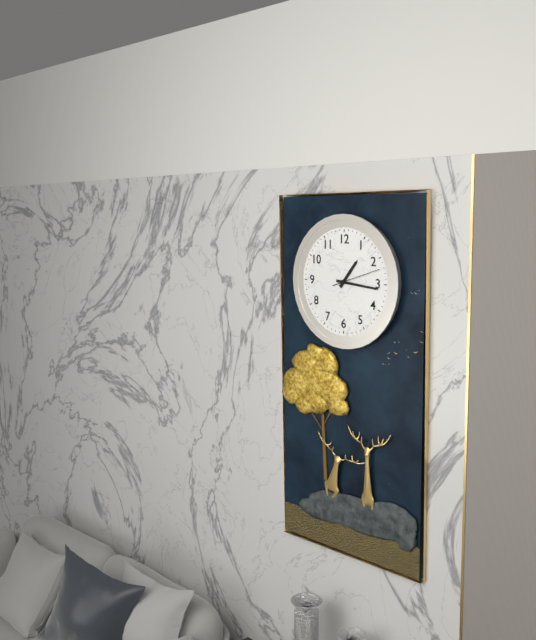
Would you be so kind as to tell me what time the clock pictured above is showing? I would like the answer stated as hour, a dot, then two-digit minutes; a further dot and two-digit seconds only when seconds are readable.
1.16
